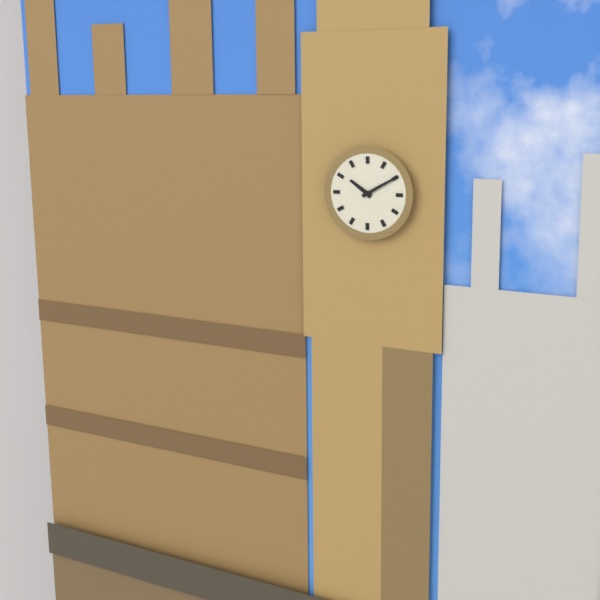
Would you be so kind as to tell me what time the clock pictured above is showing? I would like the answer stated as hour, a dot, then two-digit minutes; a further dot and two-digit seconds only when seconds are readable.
10.10
